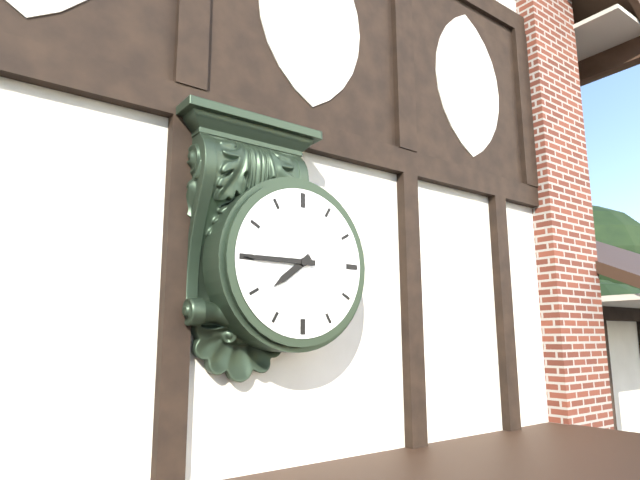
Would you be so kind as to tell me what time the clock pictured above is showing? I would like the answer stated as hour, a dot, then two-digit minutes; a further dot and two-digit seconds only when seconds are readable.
7.45
